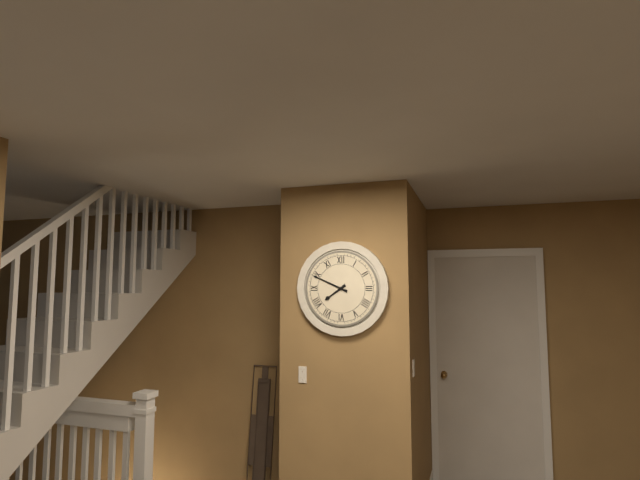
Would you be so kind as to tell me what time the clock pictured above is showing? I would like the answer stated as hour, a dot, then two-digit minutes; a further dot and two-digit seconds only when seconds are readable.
7.49
